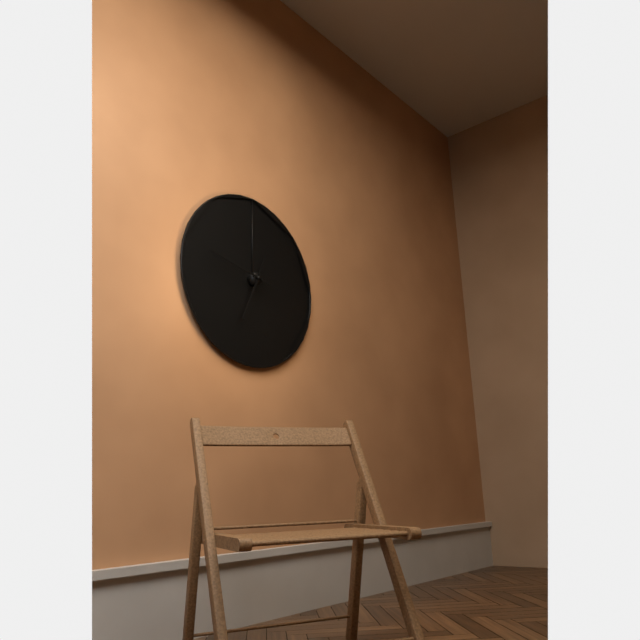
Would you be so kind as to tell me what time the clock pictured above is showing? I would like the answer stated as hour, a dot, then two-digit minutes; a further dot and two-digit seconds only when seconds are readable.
6.47
